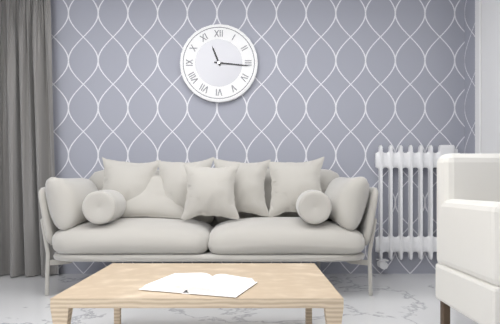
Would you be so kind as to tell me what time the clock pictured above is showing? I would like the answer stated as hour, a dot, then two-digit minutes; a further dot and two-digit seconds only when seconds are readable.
11.16
